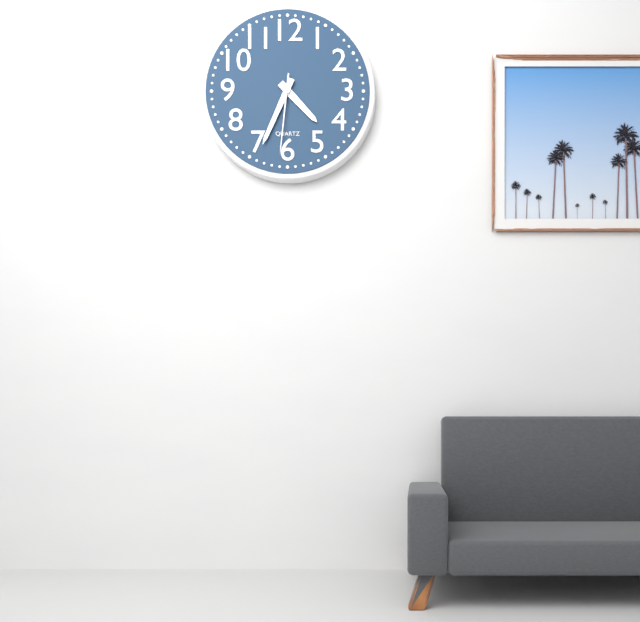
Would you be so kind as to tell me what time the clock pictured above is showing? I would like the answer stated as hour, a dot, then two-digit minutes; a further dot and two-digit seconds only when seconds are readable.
4.34.31
